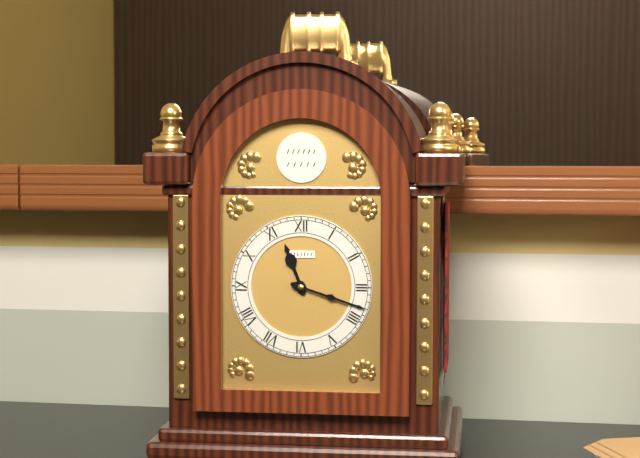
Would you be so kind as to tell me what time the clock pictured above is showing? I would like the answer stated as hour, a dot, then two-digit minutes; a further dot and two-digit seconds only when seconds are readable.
11.18
